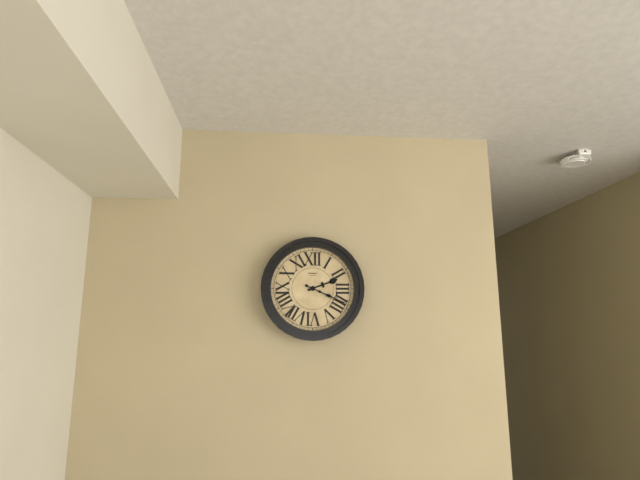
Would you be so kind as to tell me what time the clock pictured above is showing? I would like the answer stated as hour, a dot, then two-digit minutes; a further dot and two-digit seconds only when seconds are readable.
2.19
